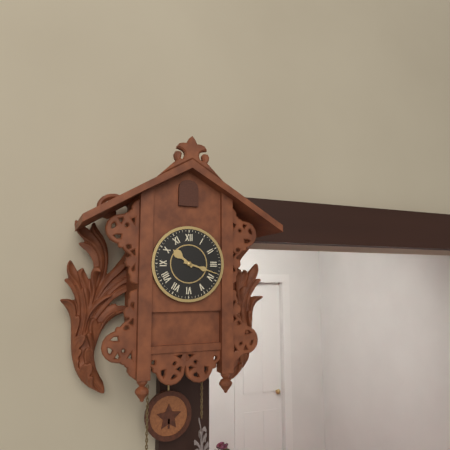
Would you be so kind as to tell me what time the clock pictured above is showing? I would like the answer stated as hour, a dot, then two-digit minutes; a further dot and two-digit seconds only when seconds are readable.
10.18
